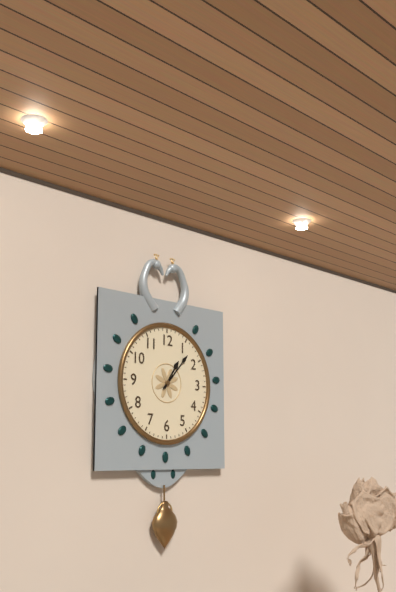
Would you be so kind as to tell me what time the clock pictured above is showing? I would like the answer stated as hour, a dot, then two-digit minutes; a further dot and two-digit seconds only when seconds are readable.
1.07
